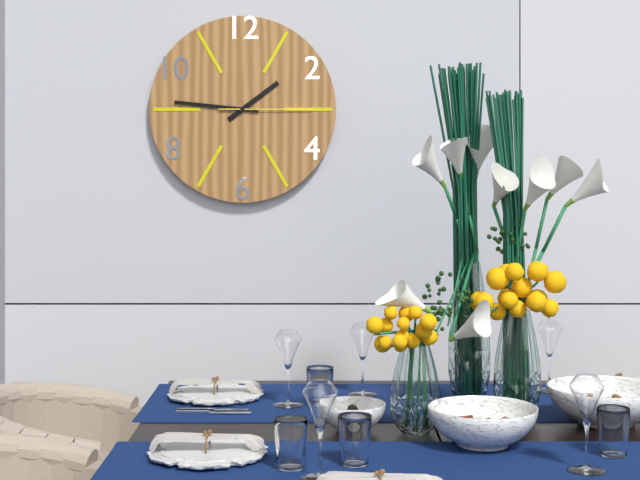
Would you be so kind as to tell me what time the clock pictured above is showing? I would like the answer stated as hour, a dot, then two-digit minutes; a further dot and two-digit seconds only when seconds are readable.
1.46.15
